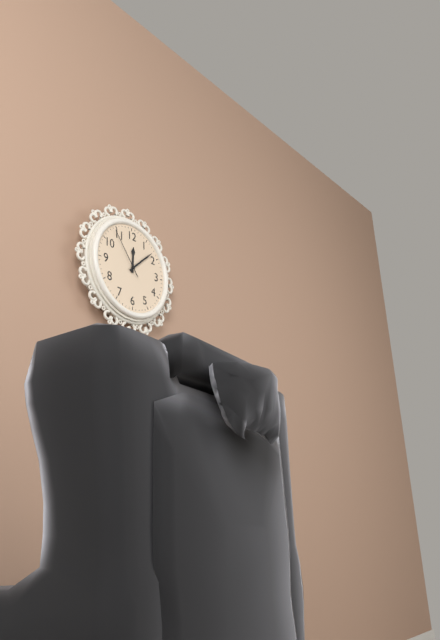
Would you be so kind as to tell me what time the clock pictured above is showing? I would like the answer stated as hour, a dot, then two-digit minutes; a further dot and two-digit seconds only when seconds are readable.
12.08.54
